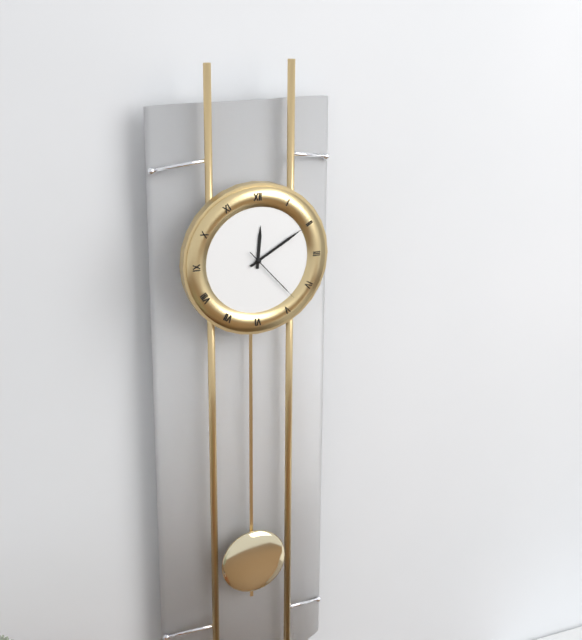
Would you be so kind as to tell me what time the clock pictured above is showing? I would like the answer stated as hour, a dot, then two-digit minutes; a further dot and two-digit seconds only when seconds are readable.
12.10.23
